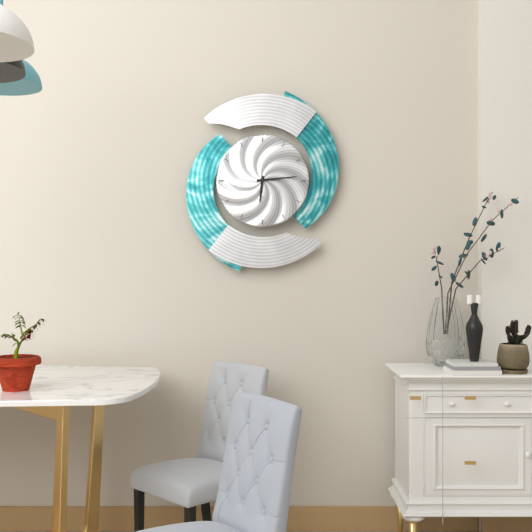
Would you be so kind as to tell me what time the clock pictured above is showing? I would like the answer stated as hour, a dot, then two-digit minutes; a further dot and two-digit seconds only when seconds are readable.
6.14
